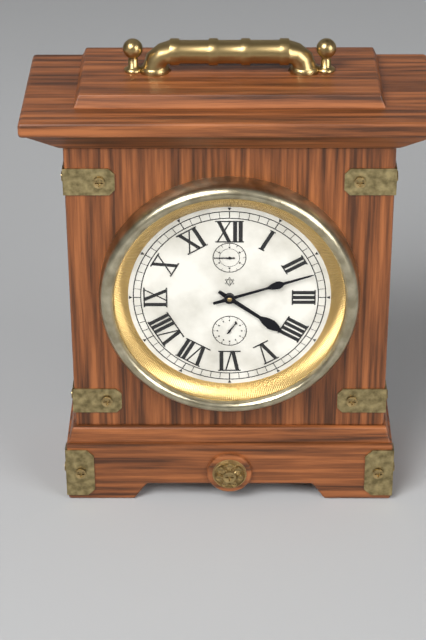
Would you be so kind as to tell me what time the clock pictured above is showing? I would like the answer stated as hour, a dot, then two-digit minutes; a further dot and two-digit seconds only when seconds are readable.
4.12
